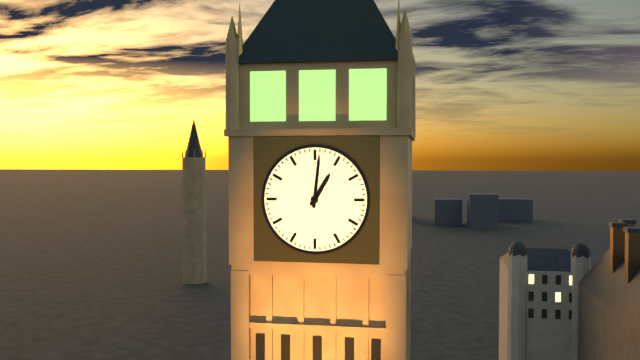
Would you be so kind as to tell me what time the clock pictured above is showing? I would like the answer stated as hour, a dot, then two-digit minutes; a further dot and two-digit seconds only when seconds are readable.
1.01
